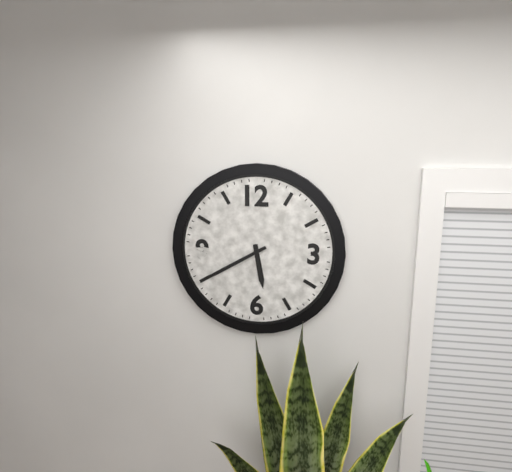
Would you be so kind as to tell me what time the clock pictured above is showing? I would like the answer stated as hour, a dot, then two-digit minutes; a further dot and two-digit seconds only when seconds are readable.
5.40
